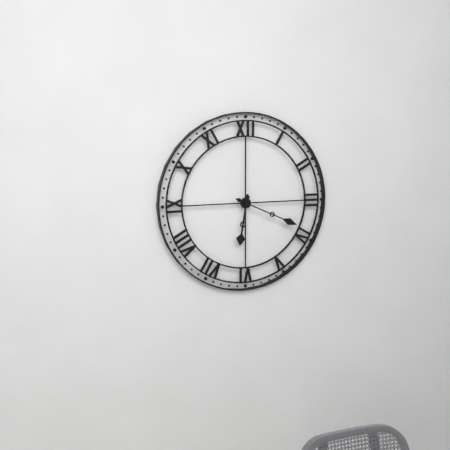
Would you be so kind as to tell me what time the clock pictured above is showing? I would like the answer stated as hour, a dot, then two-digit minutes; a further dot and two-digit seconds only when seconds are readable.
6.19
